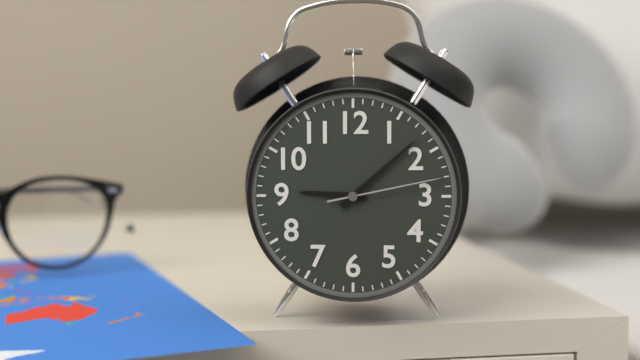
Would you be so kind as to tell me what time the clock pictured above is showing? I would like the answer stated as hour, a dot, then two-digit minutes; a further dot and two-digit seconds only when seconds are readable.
9.08.13
